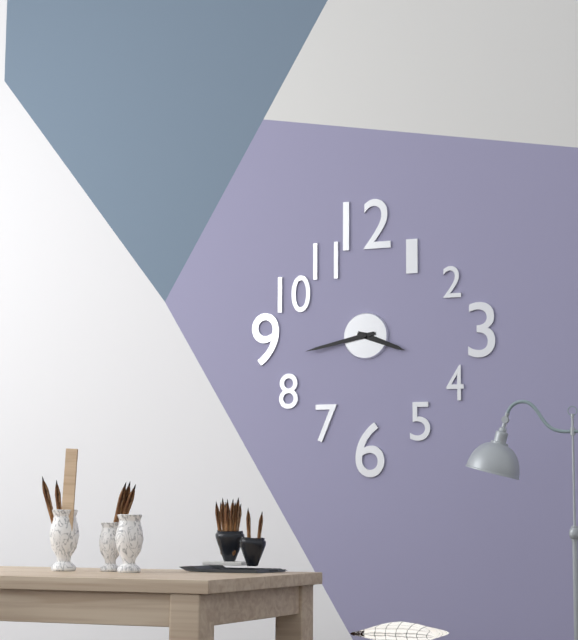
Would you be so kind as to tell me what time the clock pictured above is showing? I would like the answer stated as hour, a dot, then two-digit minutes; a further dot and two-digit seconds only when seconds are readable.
3.43
